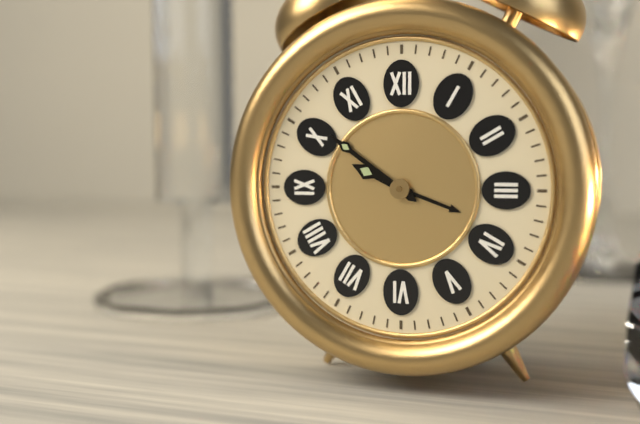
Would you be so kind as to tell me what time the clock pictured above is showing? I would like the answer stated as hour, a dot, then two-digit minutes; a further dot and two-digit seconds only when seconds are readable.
9.51
